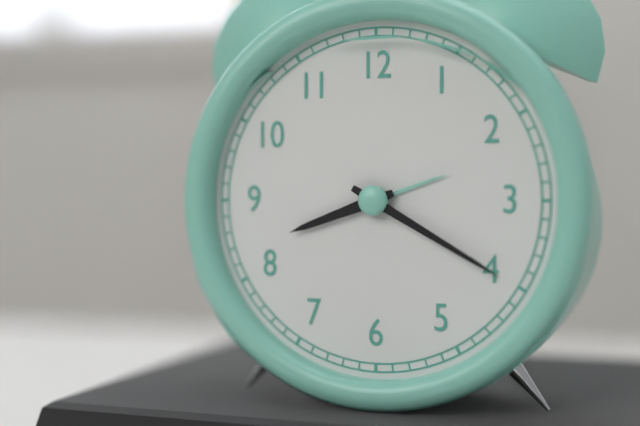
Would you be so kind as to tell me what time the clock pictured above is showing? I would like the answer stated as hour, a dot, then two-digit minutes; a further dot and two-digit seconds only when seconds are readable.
8.20
